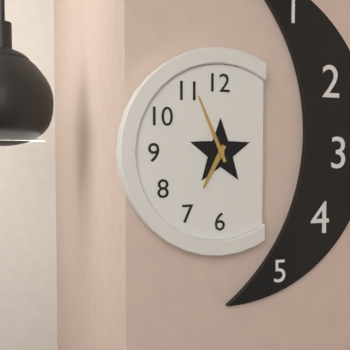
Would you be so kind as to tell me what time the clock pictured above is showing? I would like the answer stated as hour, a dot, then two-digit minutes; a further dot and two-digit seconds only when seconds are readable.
6.56
